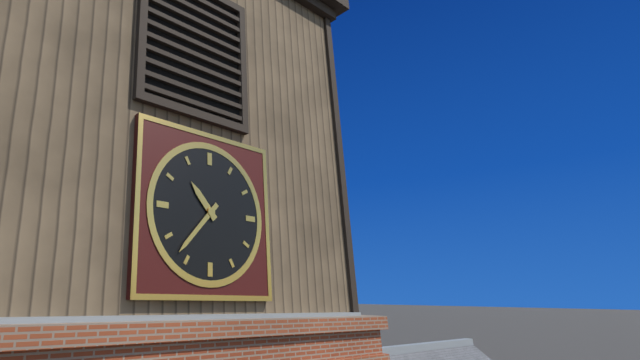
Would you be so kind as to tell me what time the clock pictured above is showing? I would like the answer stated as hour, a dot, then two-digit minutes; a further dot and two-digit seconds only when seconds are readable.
10.37
